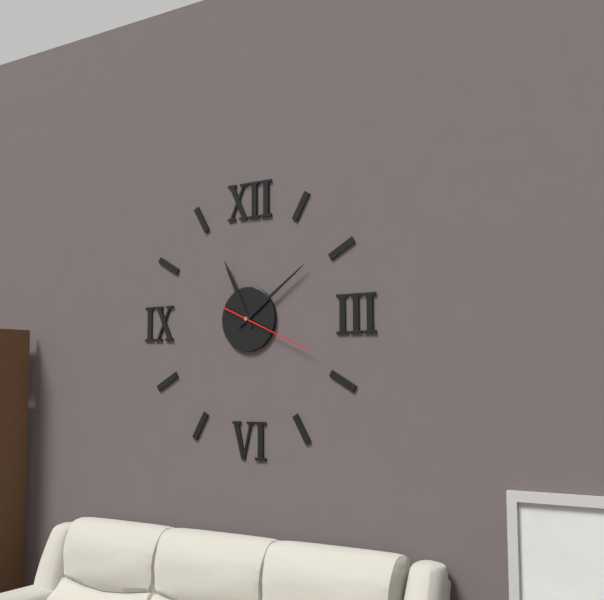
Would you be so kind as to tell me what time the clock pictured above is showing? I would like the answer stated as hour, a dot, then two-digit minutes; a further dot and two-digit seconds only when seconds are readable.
11.09.19
